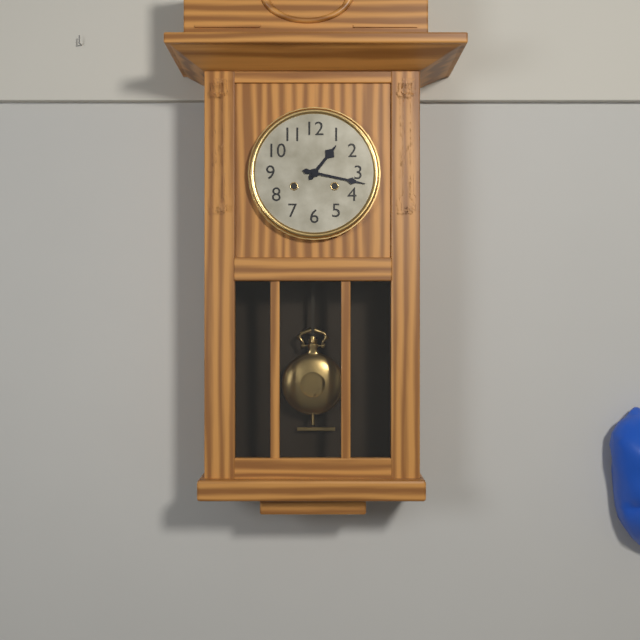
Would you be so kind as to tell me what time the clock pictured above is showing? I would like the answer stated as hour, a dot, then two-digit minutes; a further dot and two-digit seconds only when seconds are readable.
1.17
